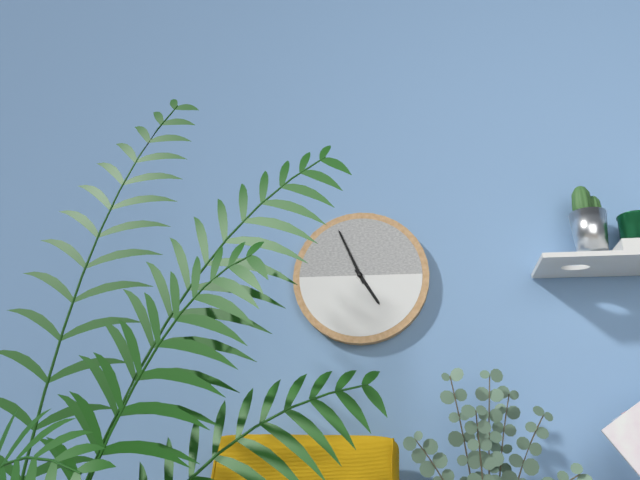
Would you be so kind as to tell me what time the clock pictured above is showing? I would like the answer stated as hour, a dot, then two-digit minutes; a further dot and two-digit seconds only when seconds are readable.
4.56
